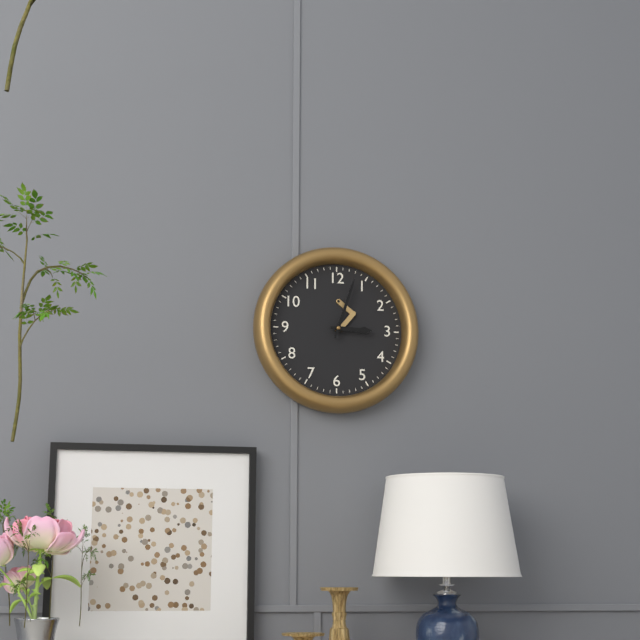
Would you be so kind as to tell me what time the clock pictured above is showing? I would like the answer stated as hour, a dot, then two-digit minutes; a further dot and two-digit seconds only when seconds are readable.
3.03
